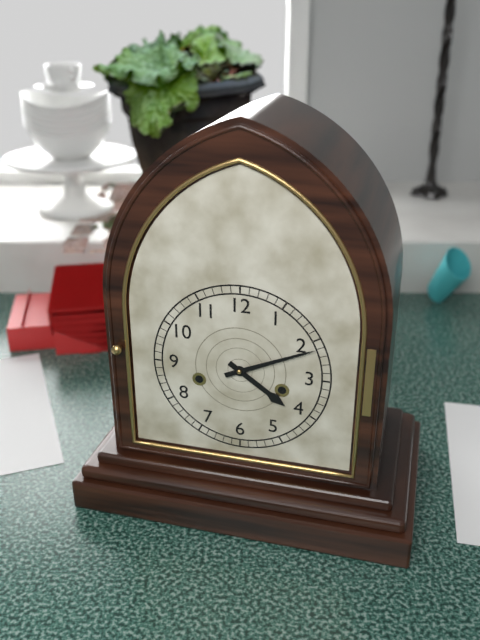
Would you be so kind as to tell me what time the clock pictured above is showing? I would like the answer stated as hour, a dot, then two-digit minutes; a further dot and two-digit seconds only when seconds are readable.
4.11
